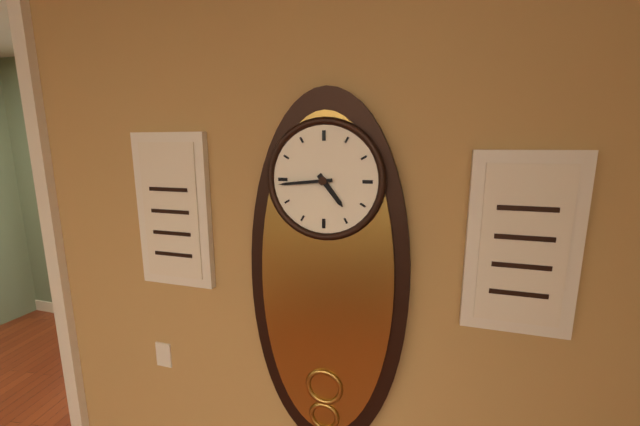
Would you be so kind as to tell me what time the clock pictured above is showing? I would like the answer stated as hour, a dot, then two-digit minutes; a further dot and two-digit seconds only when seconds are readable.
4.44
